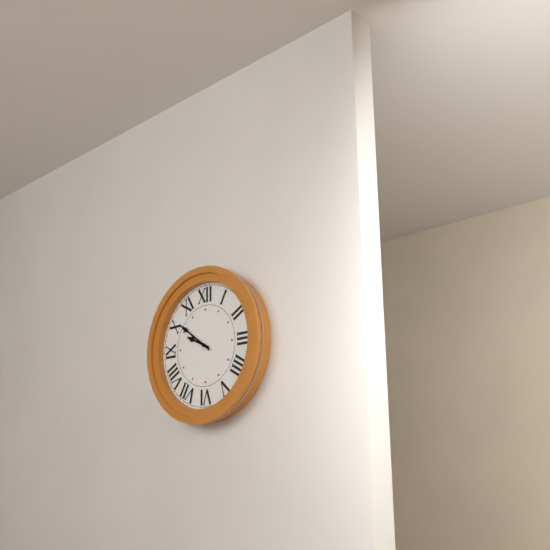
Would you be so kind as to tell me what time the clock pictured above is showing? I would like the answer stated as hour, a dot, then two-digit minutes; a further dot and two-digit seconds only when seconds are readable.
9.51
